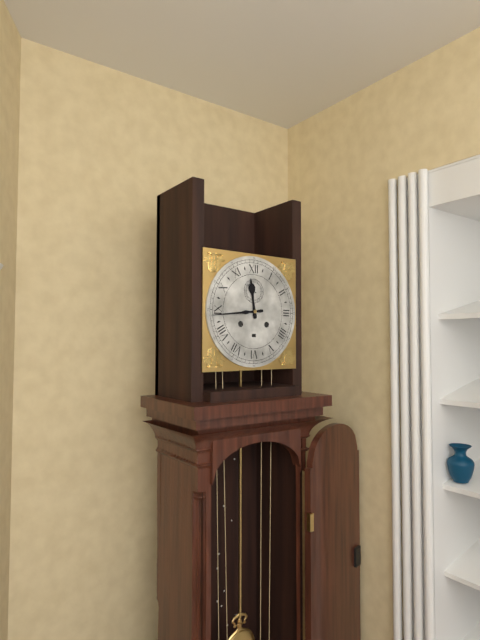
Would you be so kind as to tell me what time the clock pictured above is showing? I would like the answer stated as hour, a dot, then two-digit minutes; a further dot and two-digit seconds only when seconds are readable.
11.44
